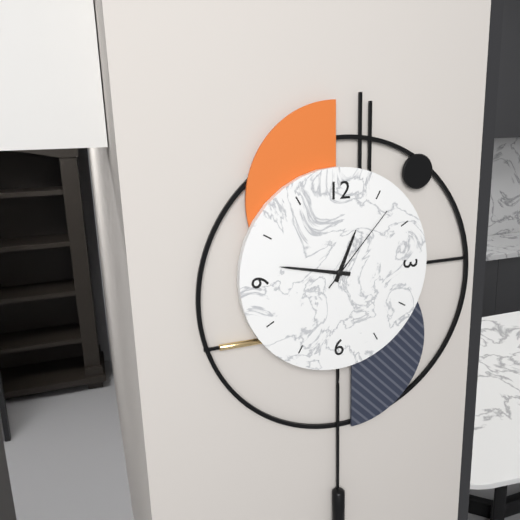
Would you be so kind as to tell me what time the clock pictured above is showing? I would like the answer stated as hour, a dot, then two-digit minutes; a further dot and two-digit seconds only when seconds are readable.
12.47.07
